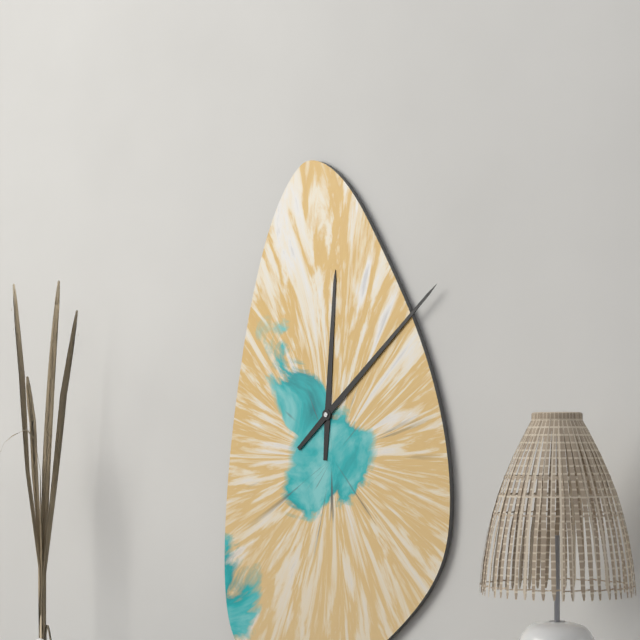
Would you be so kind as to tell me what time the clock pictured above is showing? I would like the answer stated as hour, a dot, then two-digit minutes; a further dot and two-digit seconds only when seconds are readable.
12.08
